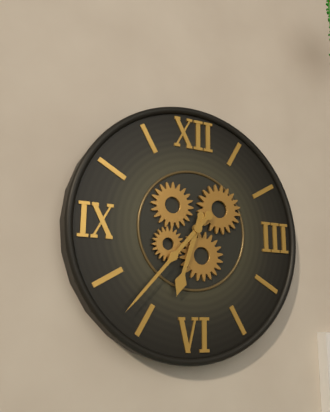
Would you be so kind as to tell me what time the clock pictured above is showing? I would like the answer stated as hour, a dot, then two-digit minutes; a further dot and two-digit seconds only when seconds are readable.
6.37
